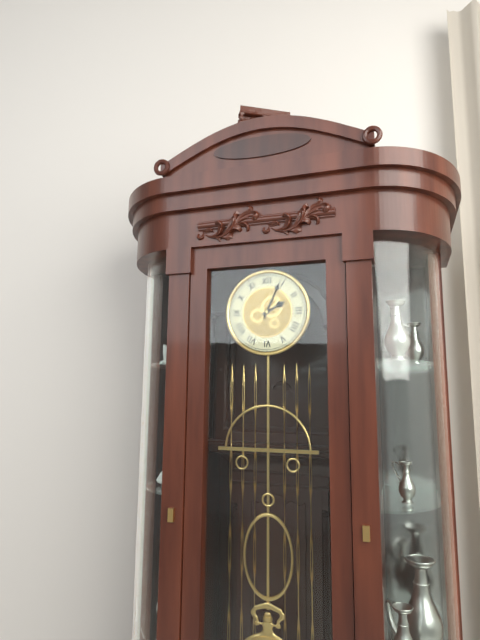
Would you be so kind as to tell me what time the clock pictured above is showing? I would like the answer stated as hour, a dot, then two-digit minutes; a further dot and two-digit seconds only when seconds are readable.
2.04
